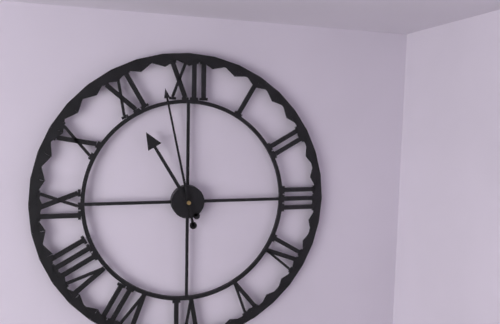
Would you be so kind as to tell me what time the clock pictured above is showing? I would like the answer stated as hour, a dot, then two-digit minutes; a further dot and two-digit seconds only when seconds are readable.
10.58
